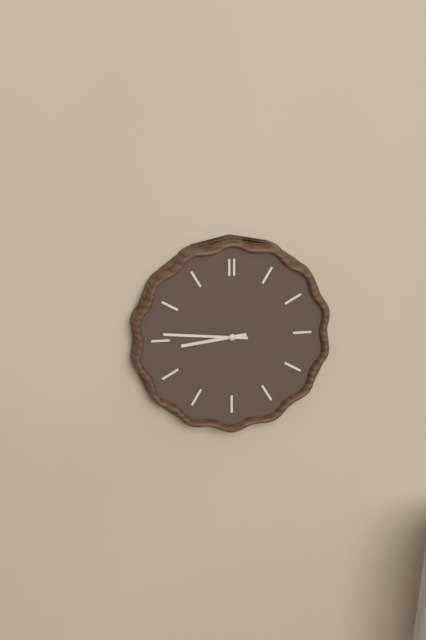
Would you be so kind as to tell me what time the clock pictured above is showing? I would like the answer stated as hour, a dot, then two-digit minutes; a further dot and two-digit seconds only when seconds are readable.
8.46
